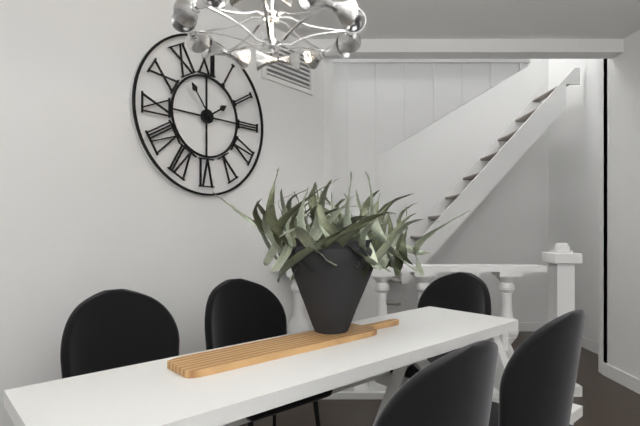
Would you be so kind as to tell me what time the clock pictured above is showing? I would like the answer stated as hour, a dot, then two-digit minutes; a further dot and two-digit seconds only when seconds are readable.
1.54
